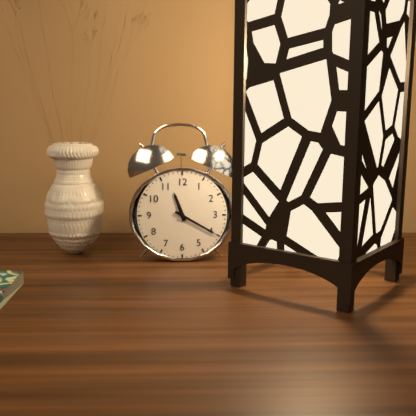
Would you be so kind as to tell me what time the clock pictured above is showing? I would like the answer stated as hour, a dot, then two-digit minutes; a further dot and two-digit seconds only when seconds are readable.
11.20
